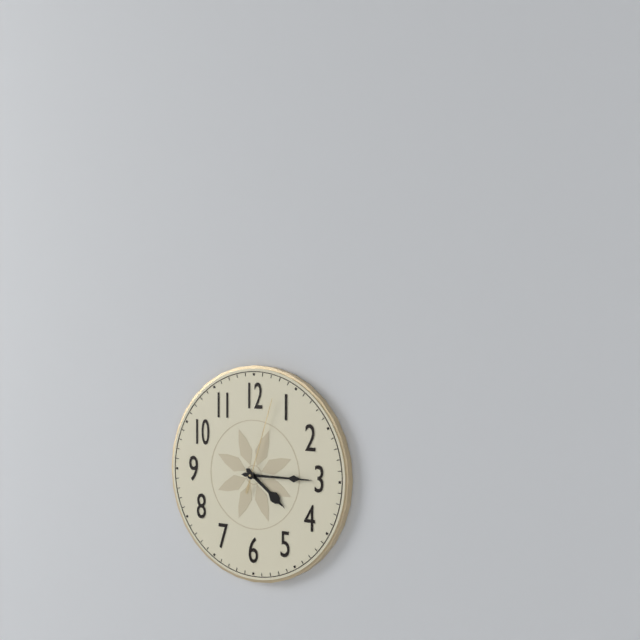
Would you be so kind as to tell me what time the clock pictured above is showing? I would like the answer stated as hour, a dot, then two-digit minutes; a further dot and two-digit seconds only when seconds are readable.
4.15.03
